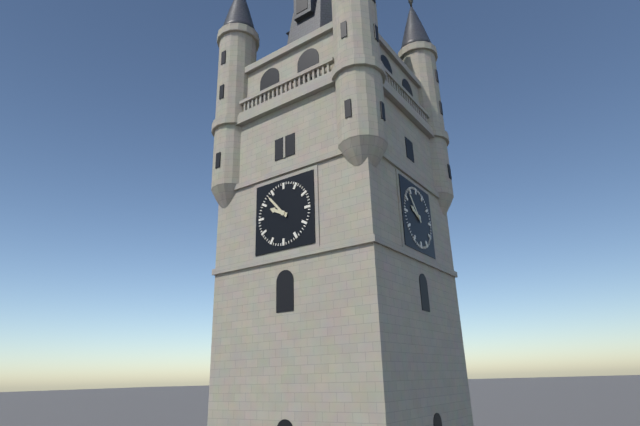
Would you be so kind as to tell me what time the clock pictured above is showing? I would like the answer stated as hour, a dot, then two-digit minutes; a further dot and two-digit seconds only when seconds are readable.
9.53
